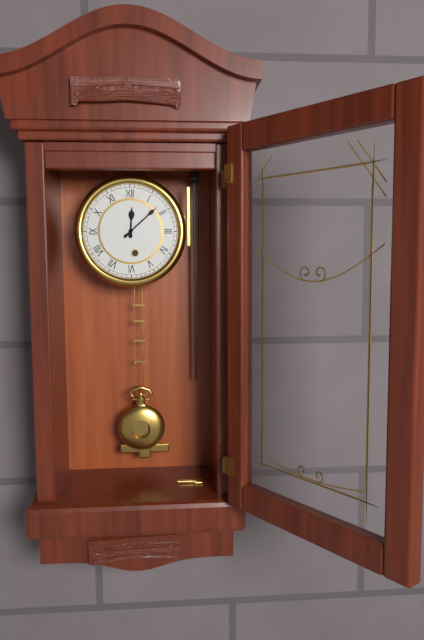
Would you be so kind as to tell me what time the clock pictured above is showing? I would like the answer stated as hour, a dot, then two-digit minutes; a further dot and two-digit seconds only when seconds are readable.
12.08
